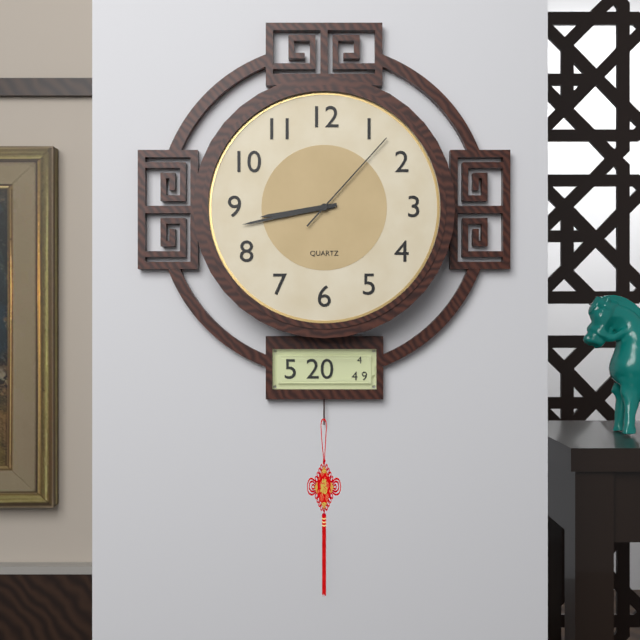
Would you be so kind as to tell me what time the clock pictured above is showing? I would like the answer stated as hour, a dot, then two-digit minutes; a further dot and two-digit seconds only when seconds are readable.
8.43.07
